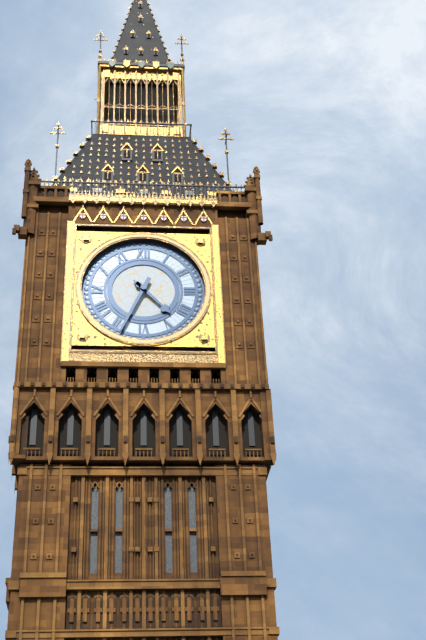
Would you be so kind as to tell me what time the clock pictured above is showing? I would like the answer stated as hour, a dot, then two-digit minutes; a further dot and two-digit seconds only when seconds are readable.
4.34
